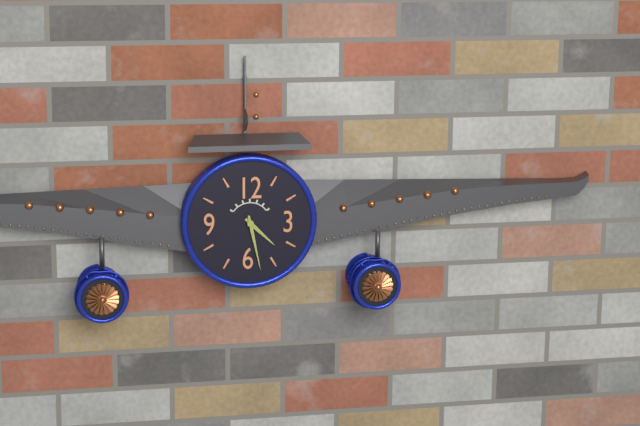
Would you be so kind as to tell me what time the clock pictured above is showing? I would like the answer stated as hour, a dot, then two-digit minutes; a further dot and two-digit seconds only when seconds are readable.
4.28
